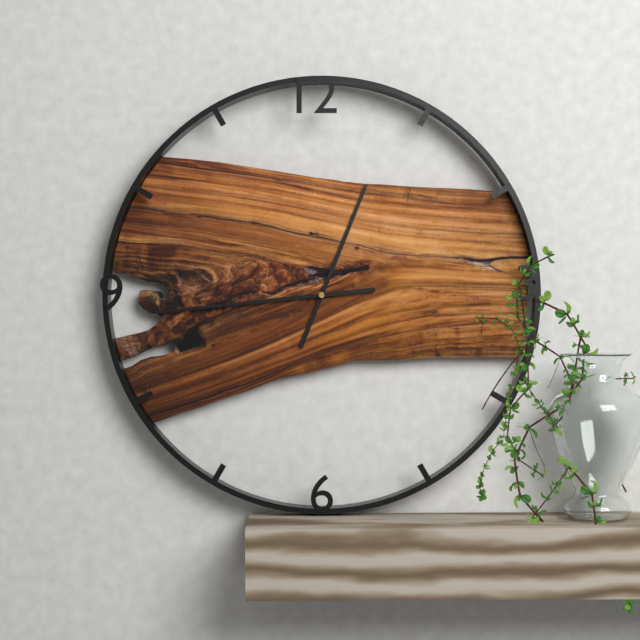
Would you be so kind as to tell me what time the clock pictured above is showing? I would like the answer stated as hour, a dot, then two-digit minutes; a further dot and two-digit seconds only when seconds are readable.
12.44
